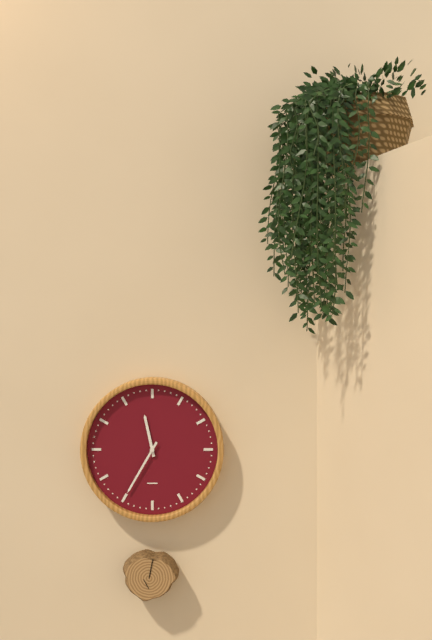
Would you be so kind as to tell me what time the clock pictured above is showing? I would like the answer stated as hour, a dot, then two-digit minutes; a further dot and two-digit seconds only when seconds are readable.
11.35
